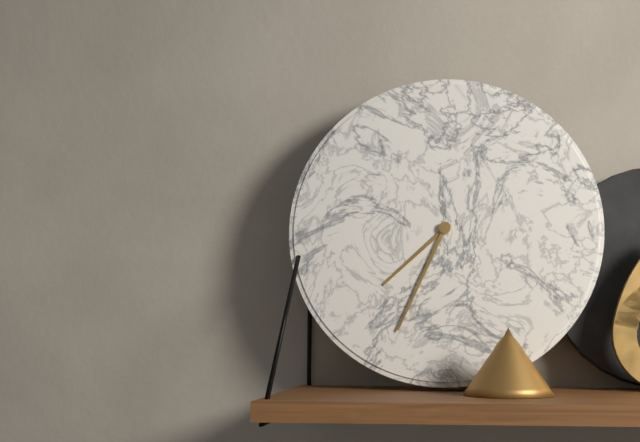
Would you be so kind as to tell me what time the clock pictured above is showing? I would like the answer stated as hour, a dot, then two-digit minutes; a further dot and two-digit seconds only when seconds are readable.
7.34
